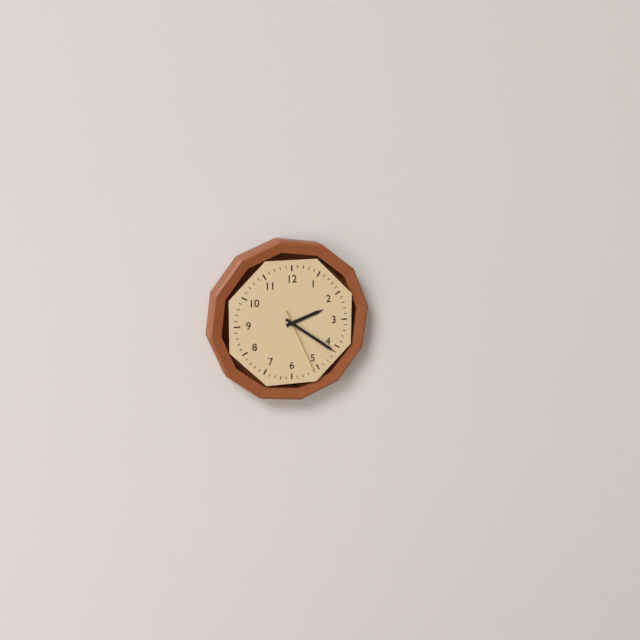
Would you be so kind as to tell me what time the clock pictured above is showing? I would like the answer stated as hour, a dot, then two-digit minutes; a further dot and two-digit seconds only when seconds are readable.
2.21.26
